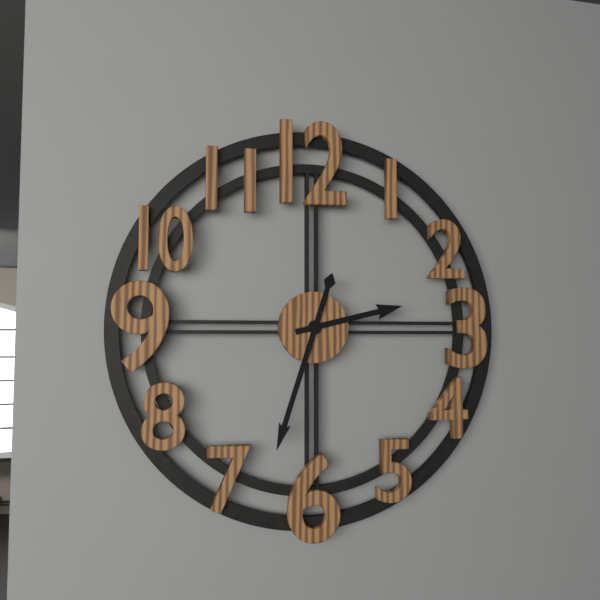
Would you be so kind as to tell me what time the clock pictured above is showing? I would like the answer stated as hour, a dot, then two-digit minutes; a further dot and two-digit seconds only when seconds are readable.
2.33
